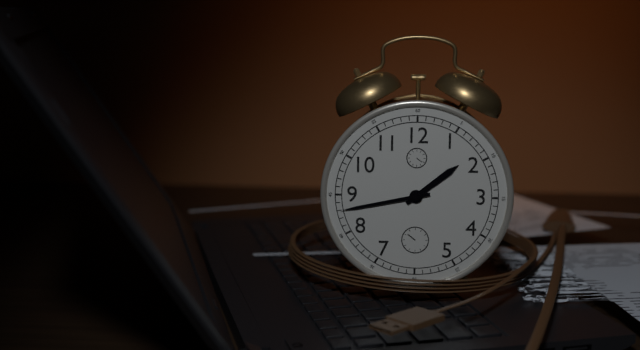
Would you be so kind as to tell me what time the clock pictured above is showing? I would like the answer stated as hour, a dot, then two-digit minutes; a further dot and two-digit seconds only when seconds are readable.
1.43
